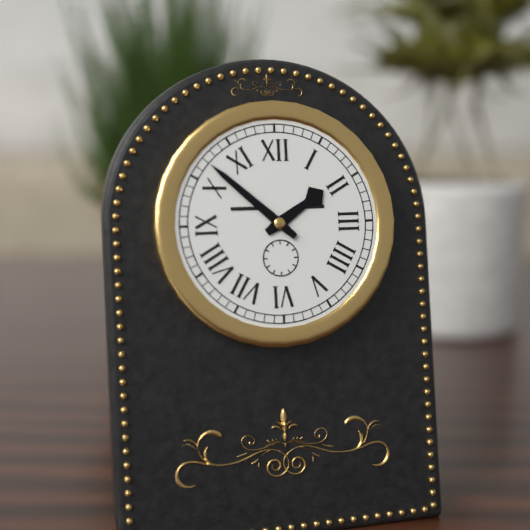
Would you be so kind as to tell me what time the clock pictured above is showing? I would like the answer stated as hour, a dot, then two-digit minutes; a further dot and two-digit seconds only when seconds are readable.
1.52
